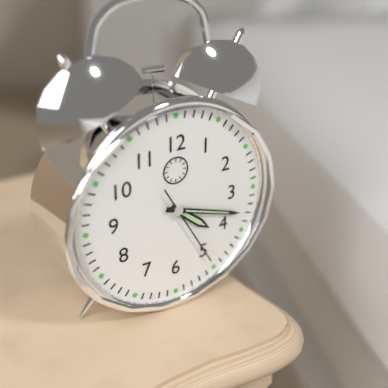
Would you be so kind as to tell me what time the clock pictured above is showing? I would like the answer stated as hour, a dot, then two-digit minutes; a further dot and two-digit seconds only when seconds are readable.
4.18.25
